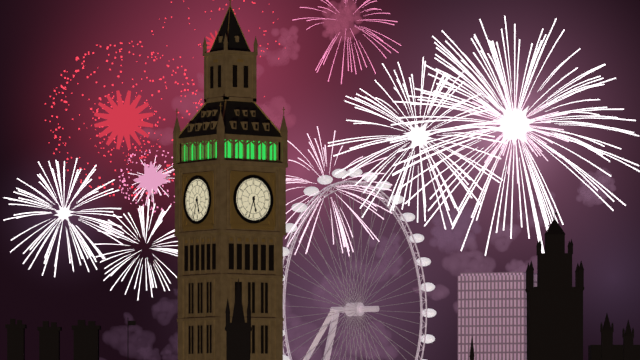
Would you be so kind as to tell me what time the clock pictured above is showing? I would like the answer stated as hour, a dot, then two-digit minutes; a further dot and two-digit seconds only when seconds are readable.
5.33
